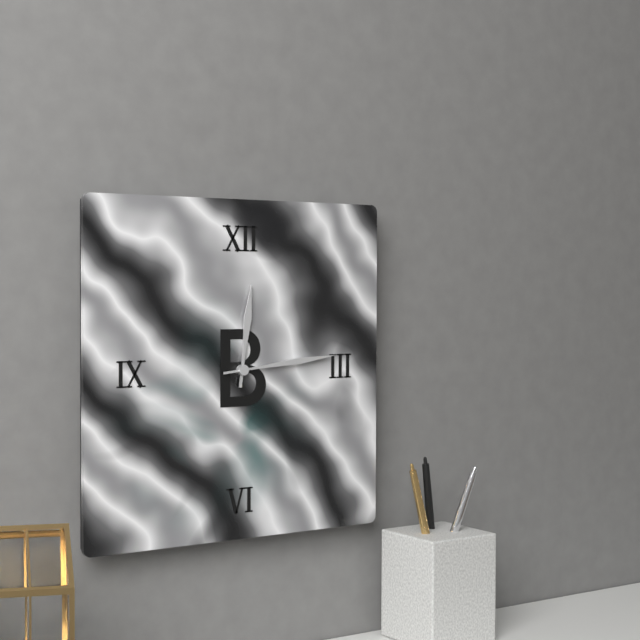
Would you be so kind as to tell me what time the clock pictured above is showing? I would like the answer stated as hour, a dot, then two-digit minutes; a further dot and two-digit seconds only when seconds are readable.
12.14
